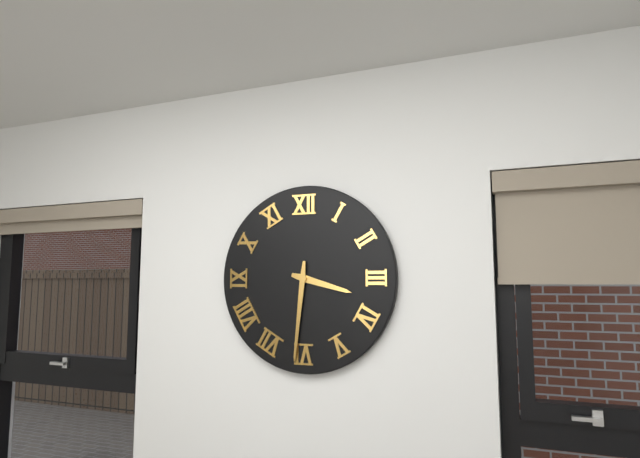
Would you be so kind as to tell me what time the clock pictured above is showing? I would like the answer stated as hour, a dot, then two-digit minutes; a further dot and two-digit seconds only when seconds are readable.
3.31
